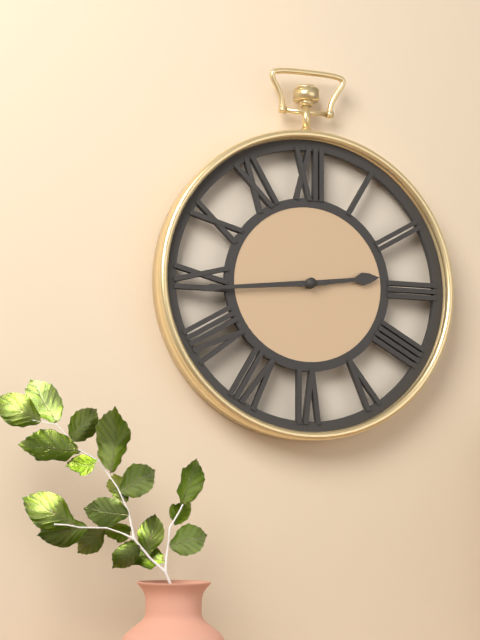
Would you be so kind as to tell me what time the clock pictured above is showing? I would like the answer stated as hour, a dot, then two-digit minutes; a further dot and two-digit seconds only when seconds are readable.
2.44
